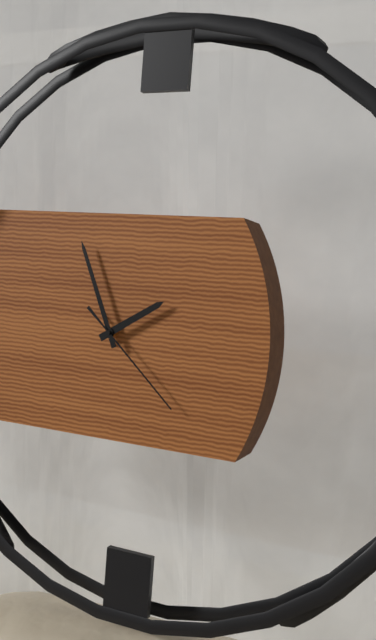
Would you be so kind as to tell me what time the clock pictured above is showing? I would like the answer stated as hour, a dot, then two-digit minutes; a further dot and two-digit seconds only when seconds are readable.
1.56.22
